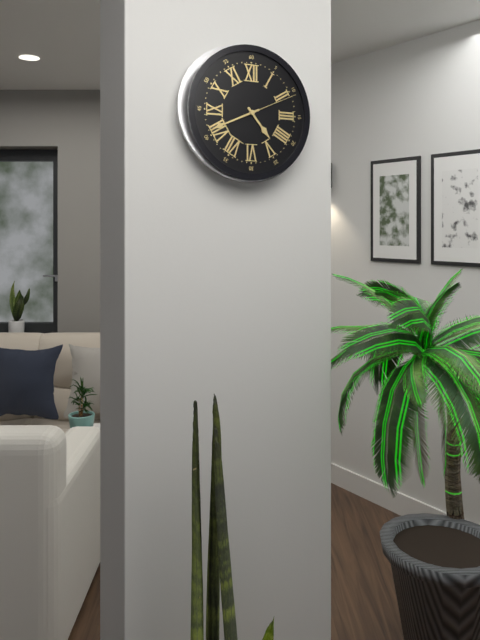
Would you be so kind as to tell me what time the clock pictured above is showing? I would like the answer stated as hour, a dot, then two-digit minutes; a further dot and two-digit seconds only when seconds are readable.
4.41.11
